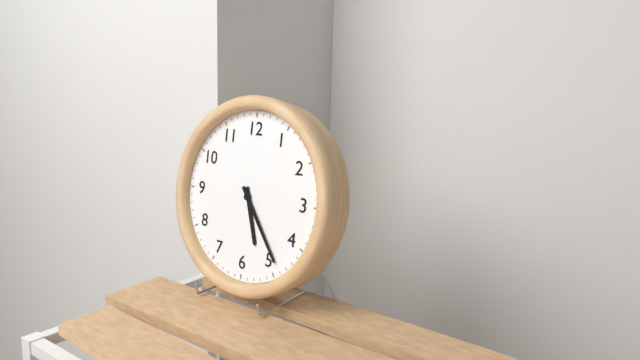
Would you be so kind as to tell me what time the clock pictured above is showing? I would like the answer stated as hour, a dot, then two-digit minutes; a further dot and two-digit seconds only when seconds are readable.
5.24
